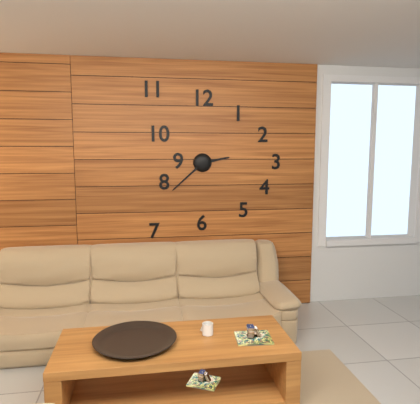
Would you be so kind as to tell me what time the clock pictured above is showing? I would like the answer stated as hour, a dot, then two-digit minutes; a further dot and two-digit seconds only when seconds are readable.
2.38
